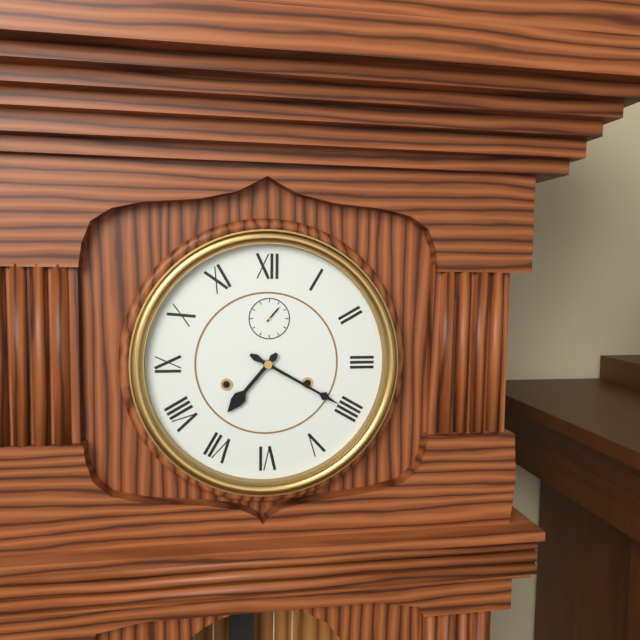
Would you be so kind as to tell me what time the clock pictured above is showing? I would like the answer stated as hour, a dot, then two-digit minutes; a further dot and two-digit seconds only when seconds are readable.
7.20
